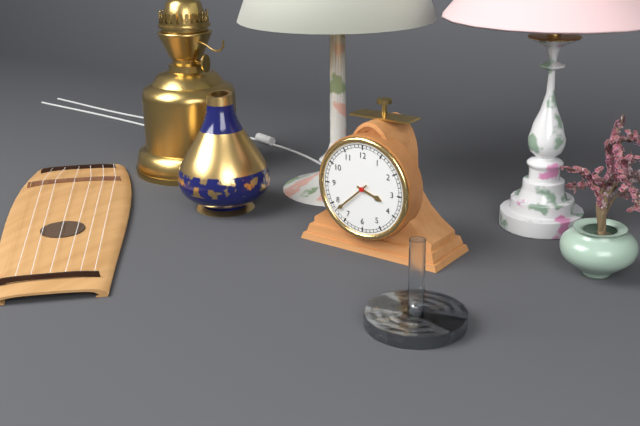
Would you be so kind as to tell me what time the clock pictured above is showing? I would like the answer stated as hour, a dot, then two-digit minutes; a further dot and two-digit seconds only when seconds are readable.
3.38
